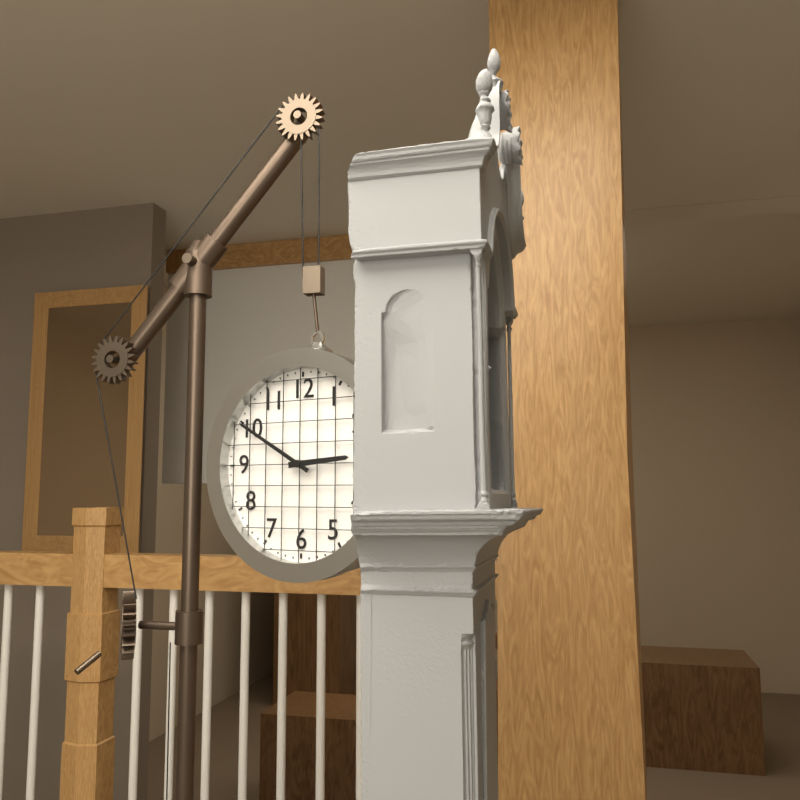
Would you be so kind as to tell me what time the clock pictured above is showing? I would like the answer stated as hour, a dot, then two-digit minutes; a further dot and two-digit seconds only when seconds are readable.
2.50
